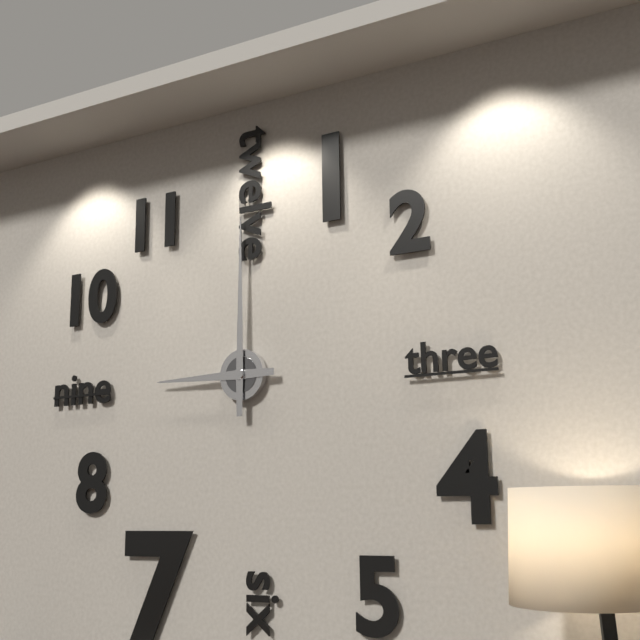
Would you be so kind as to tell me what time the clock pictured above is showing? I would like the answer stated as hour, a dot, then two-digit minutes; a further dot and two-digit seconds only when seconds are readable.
9.00
